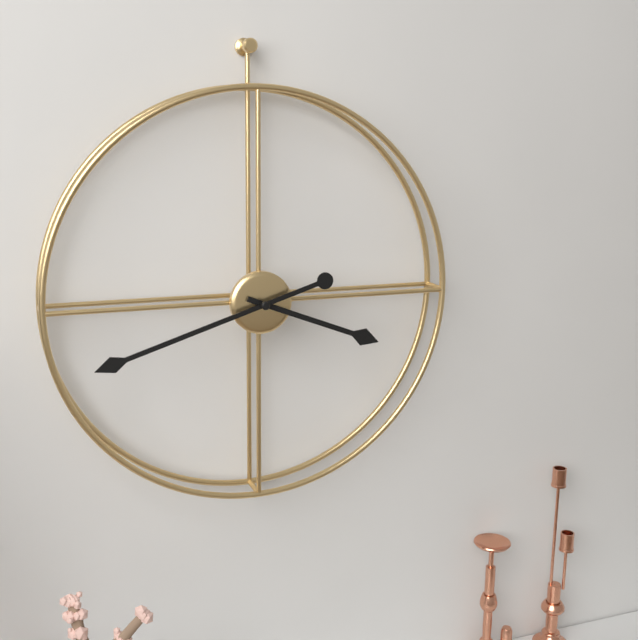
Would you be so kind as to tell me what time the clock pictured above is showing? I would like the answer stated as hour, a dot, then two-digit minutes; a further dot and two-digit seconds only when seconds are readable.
3.42
